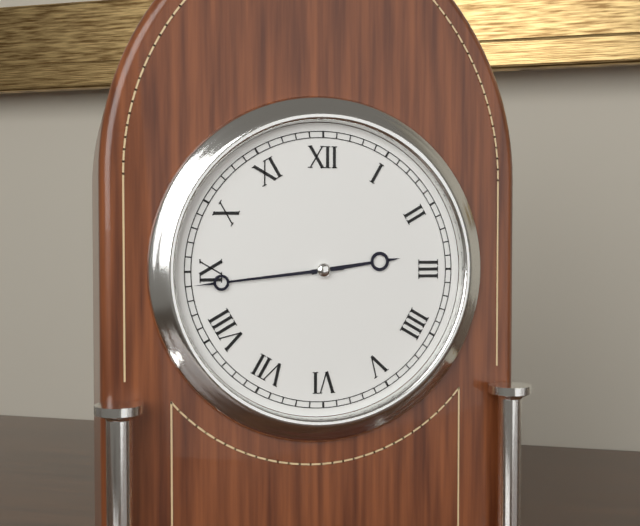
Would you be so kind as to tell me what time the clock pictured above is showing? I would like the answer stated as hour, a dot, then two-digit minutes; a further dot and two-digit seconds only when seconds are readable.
2.44
